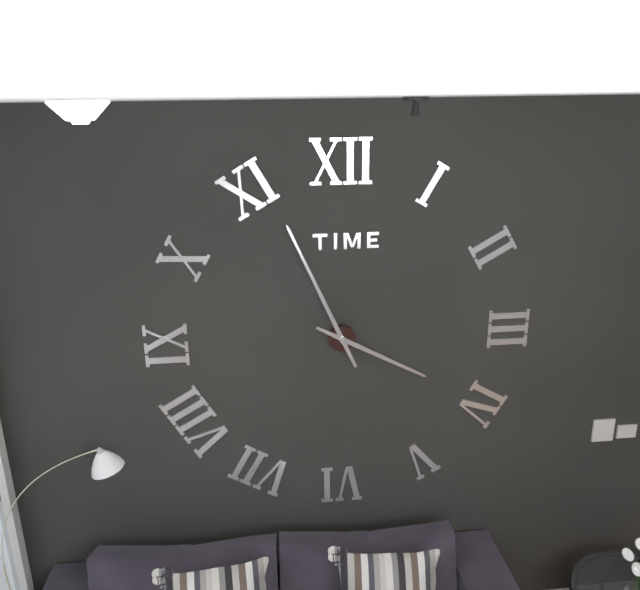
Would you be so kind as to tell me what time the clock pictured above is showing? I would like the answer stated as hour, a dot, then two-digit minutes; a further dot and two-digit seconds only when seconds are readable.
3.56
